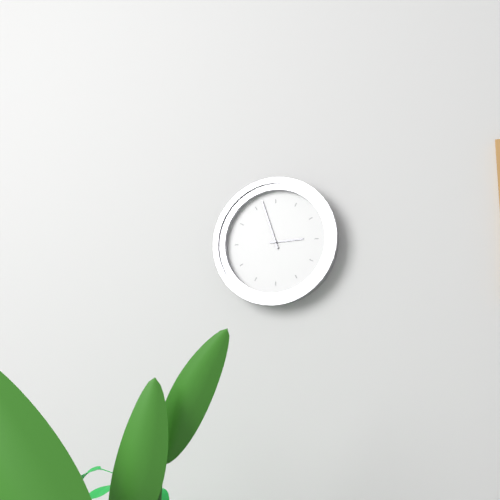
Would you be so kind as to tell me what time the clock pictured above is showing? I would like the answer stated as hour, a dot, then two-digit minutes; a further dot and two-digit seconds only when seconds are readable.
2.57
